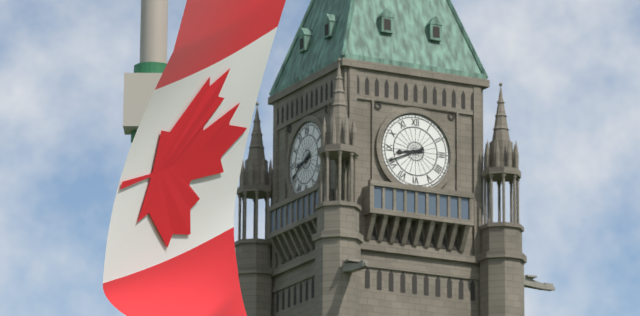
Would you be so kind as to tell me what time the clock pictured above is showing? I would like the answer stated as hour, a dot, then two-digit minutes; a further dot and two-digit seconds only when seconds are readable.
8.41
